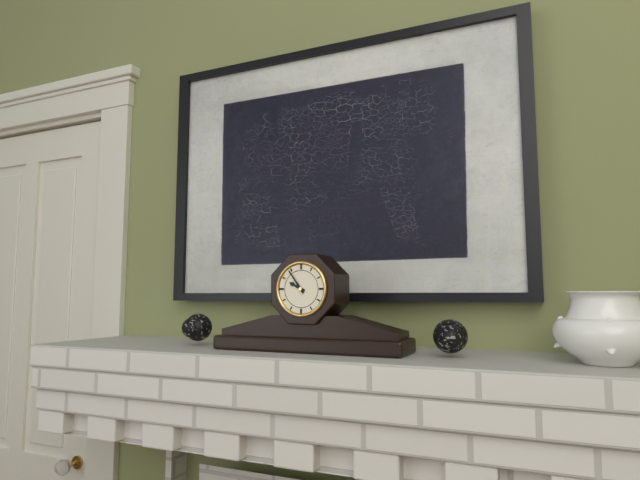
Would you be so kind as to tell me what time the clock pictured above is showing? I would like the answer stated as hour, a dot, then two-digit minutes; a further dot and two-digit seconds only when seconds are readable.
9.54
